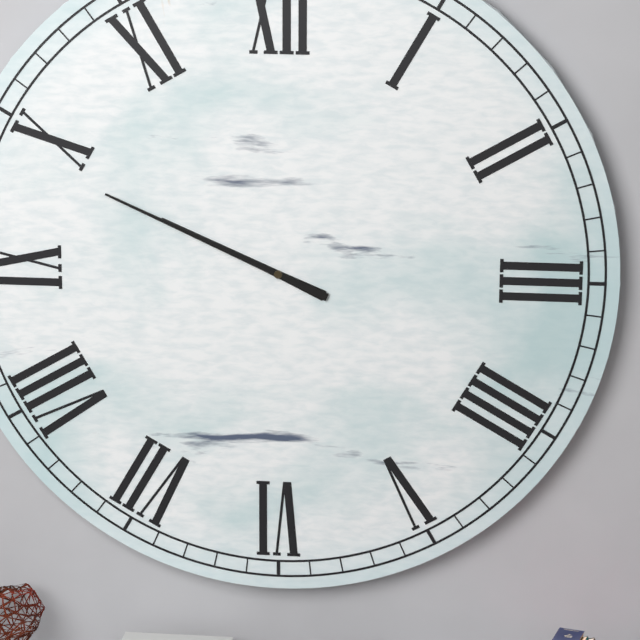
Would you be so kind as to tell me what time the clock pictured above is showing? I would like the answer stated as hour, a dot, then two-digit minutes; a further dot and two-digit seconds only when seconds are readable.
9.49
